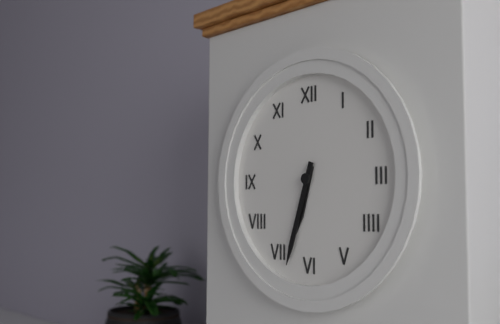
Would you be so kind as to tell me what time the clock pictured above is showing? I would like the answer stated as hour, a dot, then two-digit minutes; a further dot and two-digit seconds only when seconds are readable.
6.33
